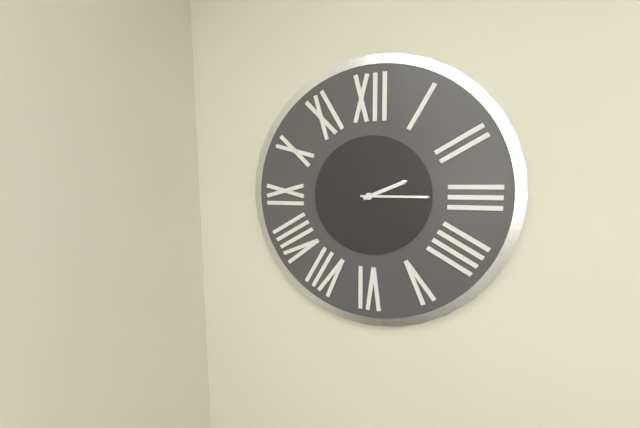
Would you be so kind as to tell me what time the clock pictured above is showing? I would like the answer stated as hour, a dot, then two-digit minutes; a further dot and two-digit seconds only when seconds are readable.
2.15
